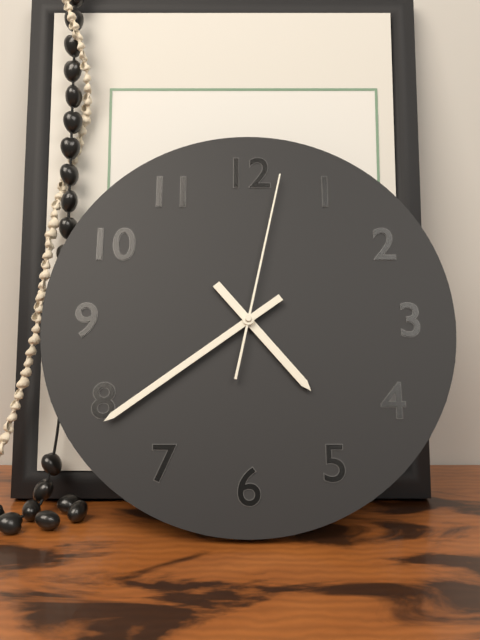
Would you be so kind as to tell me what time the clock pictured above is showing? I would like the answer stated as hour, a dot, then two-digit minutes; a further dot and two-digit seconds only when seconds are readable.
4.39.02
